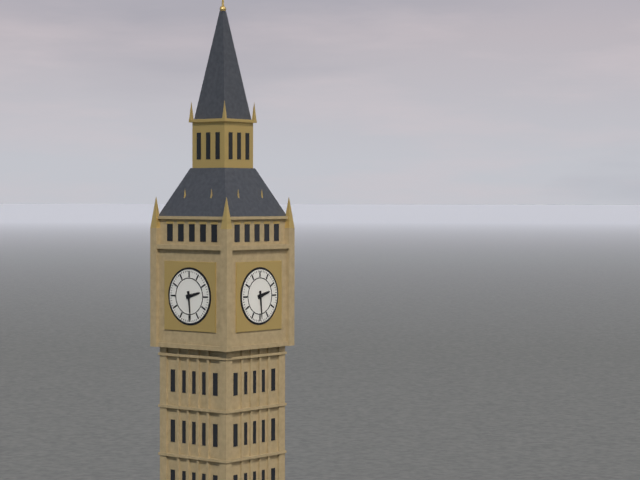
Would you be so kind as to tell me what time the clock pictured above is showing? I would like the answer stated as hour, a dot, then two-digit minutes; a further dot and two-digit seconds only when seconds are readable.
2.29
